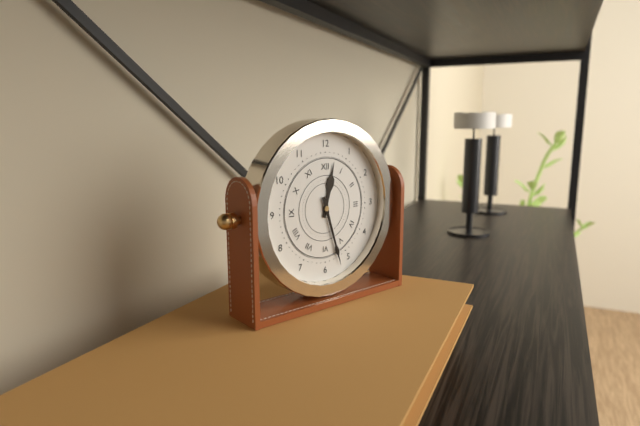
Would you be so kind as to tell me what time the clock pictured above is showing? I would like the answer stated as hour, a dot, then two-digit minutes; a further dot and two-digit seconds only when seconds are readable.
12.27
